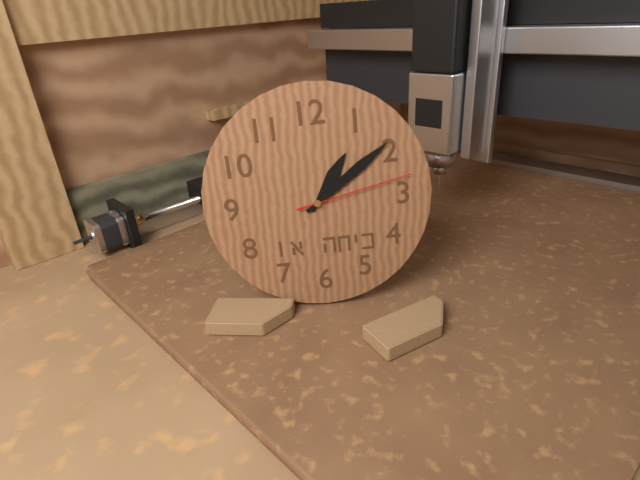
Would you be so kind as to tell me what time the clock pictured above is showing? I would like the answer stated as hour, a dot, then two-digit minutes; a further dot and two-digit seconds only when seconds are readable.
1.09.13
